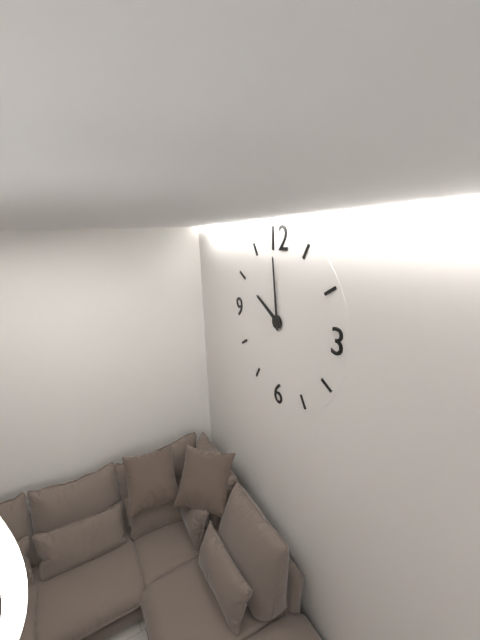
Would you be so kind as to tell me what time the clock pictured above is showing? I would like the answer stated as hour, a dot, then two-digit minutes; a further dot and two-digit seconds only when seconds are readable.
9.59
